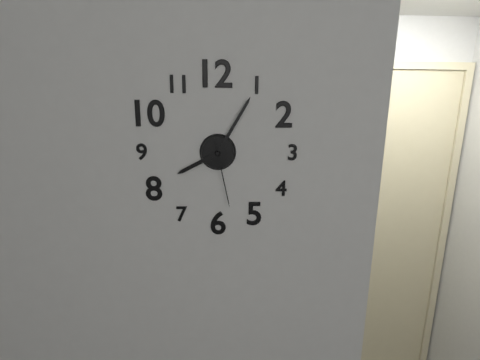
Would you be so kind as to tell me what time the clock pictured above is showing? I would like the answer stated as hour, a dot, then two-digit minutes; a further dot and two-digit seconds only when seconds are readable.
8.05.28
